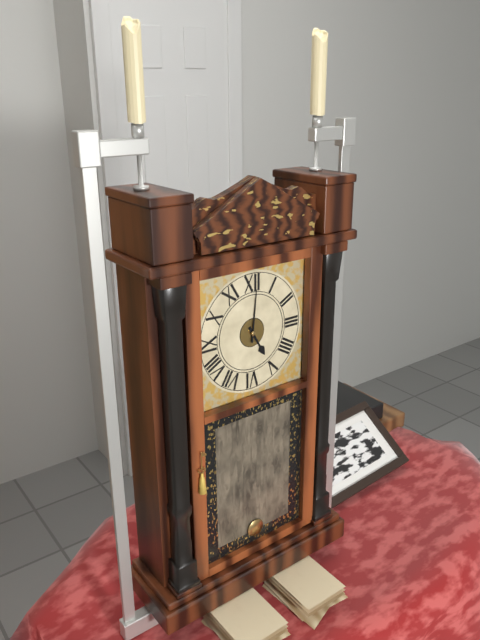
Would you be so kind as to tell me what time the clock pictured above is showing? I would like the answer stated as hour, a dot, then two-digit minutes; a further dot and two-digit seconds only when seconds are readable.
5.01
